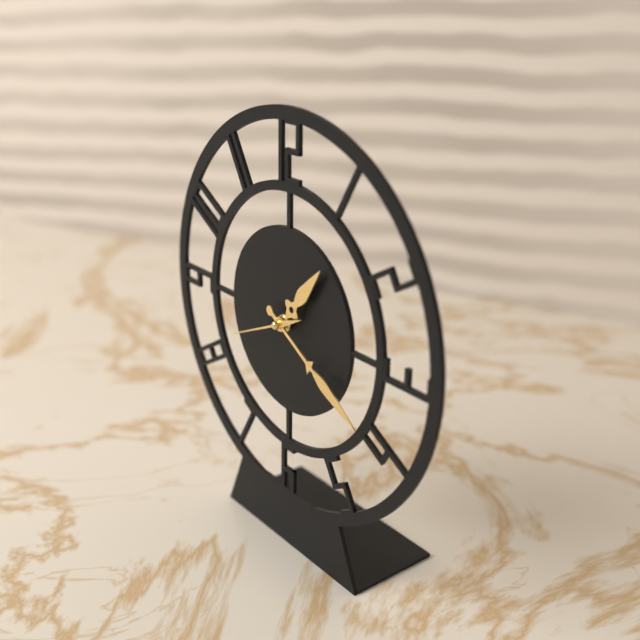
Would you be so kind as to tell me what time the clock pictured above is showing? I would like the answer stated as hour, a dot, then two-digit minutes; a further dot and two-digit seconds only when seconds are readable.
1.20.41
